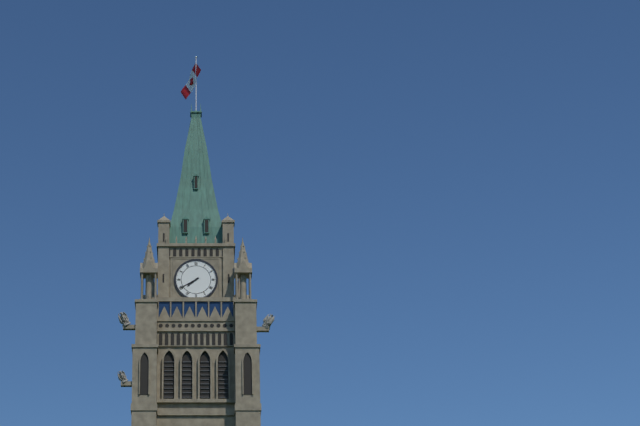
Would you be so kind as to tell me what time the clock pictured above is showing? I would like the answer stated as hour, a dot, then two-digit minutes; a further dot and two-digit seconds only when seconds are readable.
7.40
